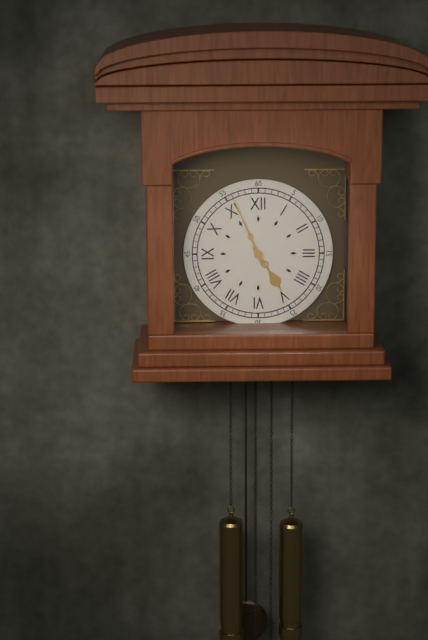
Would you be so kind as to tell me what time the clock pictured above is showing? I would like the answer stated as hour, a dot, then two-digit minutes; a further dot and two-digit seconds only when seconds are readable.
4.56
